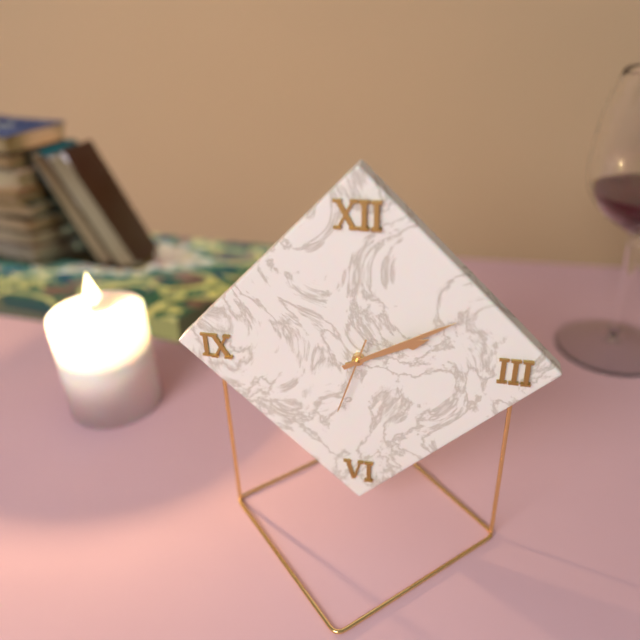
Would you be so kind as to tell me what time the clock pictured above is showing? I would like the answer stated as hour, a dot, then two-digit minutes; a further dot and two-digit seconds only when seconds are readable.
2.10.33
